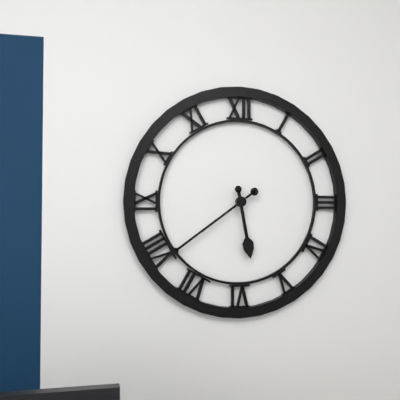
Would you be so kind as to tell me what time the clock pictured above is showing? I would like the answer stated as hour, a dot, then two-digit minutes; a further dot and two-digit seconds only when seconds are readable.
5.39
